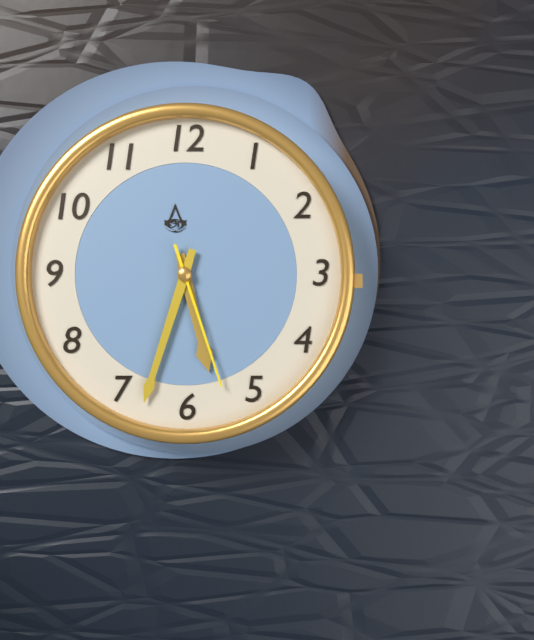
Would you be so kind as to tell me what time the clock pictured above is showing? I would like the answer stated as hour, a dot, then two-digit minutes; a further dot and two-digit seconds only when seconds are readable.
5.33.27
